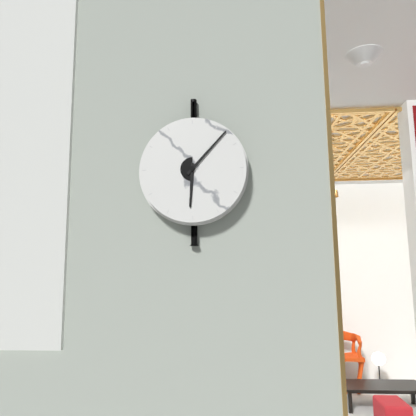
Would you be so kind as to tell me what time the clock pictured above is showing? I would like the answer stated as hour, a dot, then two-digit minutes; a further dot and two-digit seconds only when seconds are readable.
6.07
